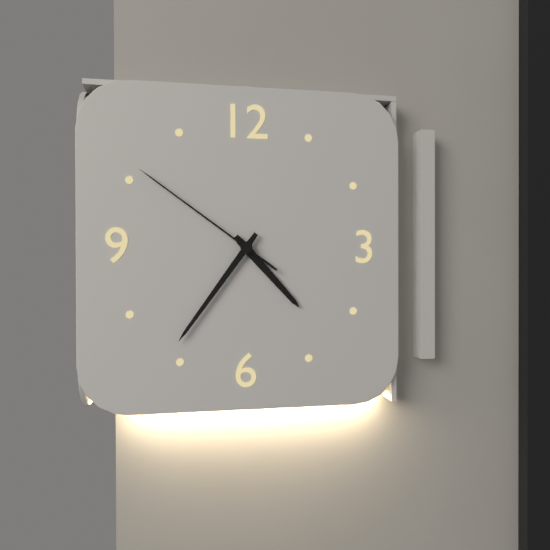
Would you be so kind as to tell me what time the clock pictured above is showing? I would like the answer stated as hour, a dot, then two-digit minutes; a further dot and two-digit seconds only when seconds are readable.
4.36.51
